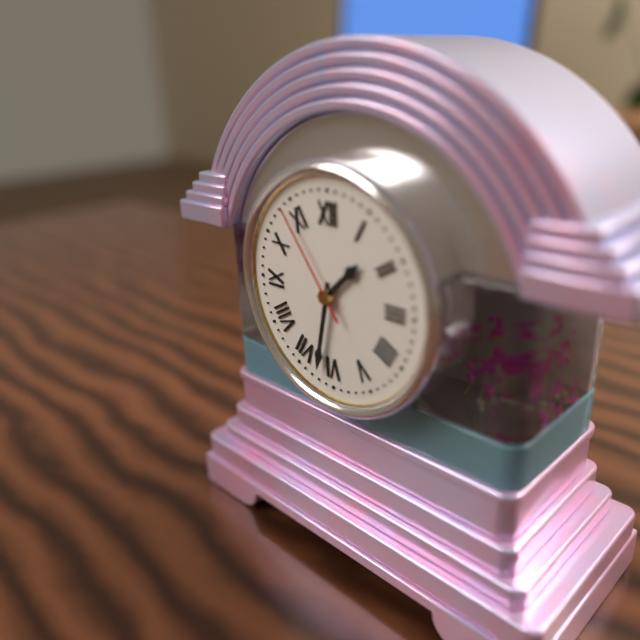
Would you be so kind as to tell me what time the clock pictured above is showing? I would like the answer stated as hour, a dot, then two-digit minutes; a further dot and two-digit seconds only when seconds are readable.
1.32.54
